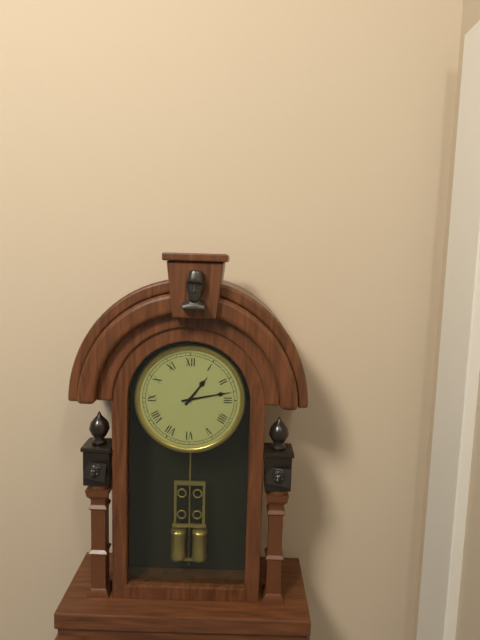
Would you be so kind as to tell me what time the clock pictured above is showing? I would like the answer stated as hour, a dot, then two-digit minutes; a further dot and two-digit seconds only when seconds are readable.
1.13
